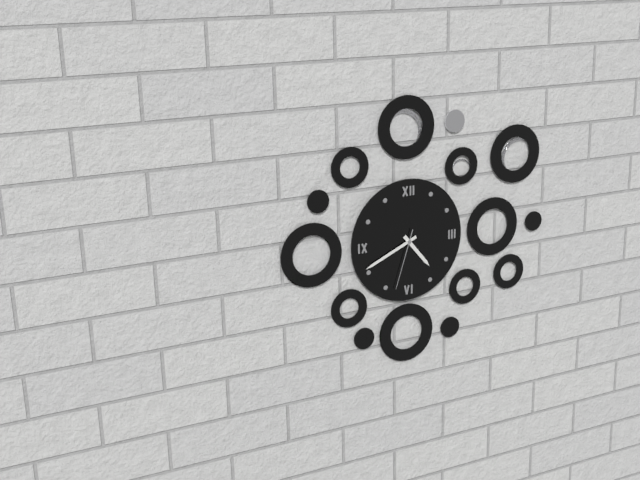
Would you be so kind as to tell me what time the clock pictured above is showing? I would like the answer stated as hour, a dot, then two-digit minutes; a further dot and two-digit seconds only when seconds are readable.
4.41.33
